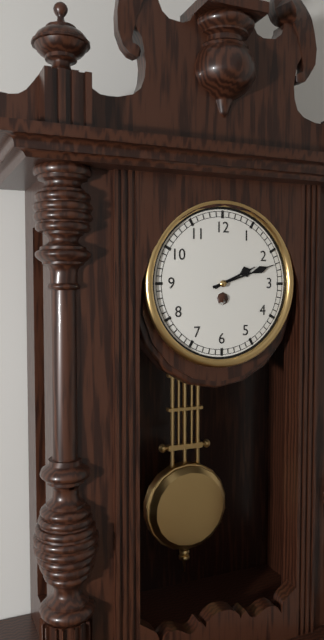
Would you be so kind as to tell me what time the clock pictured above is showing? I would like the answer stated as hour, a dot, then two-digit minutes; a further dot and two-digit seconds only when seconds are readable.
2.12
